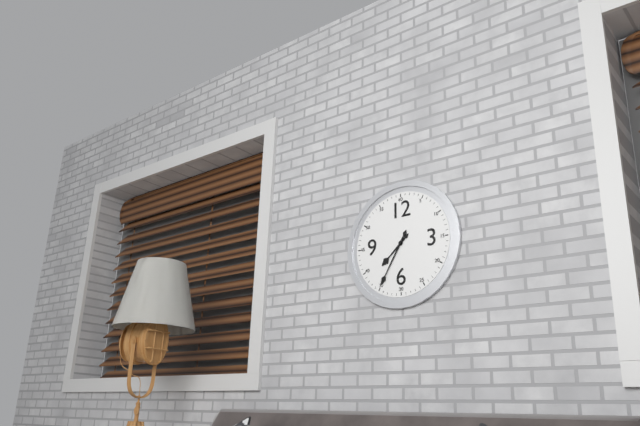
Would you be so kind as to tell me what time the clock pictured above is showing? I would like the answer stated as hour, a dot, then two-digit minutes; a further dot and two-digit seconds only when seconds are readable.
7.35
